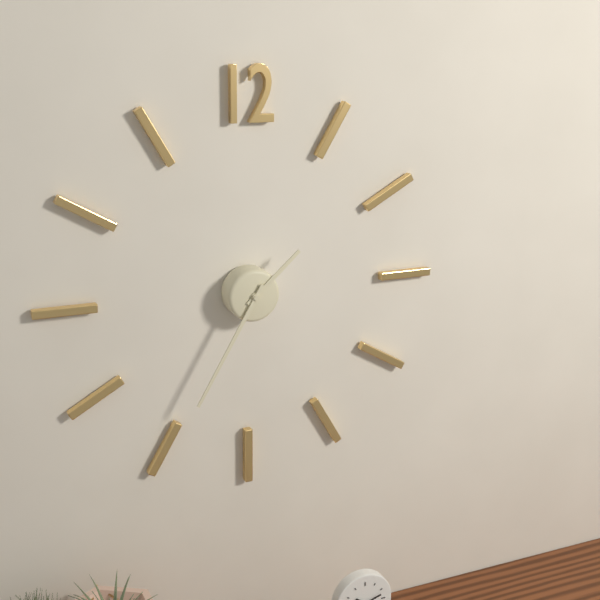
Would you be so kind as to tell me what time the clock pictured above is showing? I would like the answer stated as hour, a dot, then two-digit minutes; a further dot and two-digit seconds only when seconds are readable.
1.35
